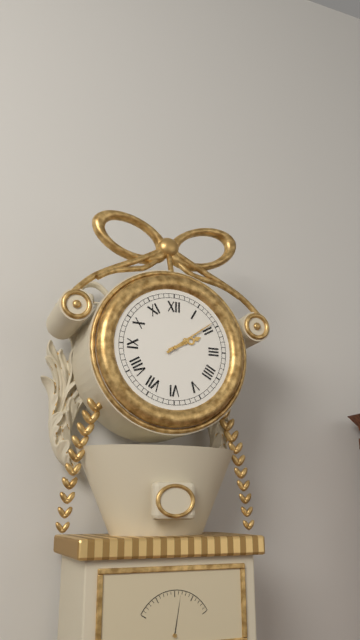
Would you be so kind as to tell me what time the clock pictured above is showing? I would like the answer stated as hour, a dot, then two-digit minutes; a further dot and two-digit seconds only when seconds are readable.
2.09
